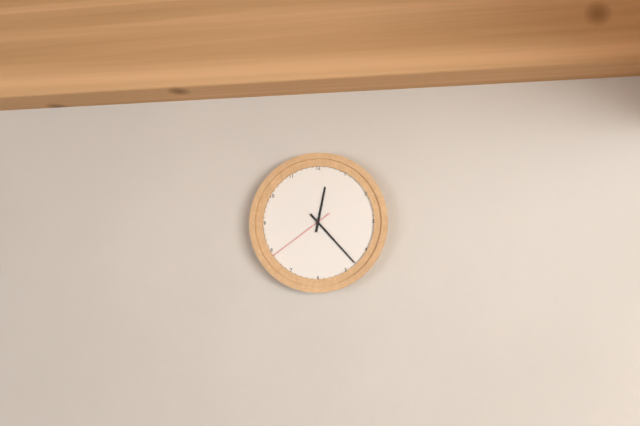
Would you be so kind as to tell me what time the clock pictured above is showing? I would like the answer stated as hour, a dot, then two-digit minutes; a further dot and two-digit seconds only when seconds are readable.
12.23.39
